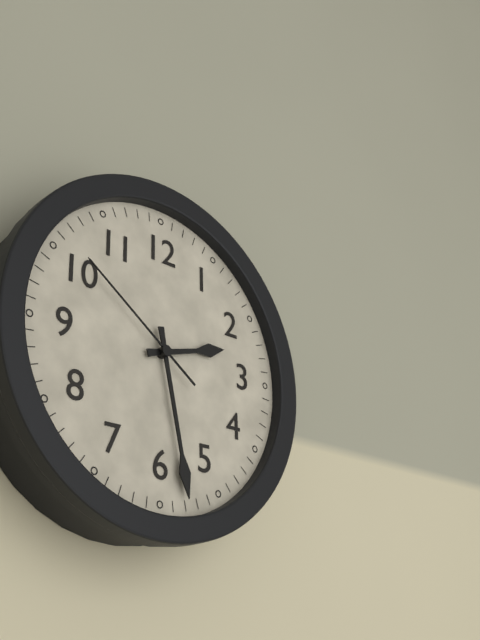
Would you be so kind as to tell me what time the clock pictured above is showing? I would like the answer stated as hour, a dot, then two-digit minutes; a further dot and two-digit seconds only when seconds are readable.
2.28.51
